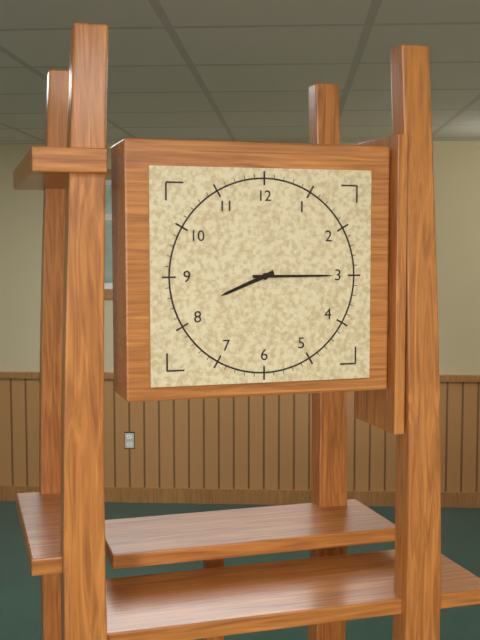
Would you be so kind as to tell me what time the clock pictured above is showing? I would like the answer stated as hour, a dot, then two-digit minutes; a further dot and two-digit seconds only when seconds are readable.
8.15
